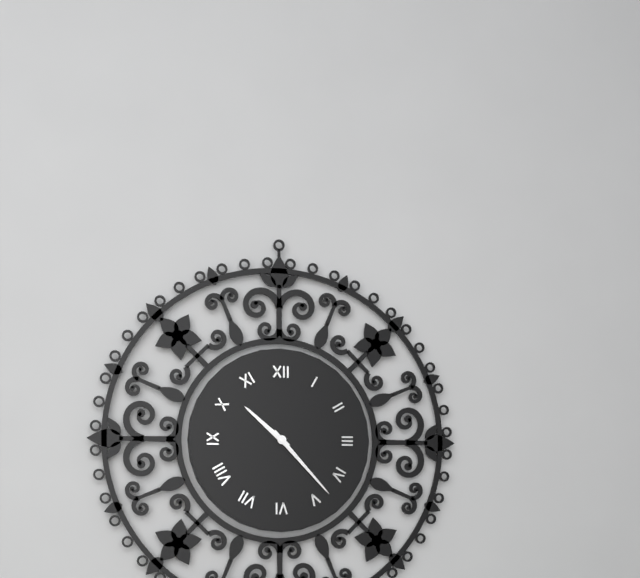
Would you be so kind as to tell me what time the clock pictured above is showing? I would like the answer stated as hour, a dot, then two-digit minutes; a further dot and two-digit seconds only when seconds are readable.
10.23
